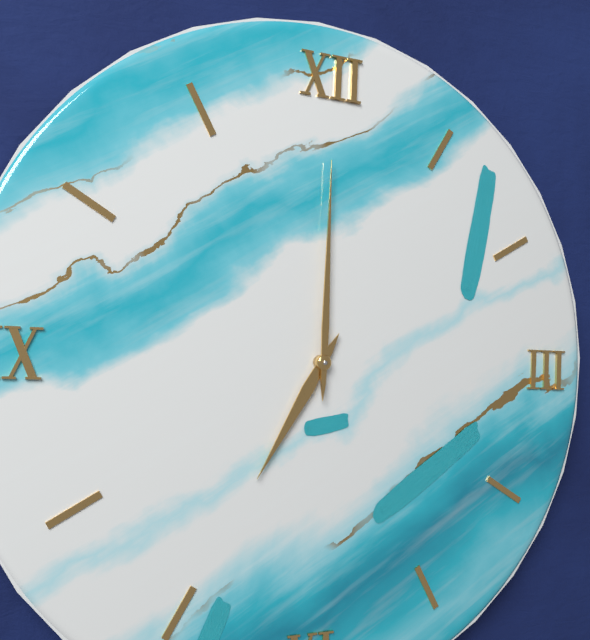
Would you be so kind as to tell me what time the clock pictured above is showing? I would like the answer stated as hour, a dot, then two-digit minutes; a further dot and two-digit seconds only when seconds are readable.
7.00
